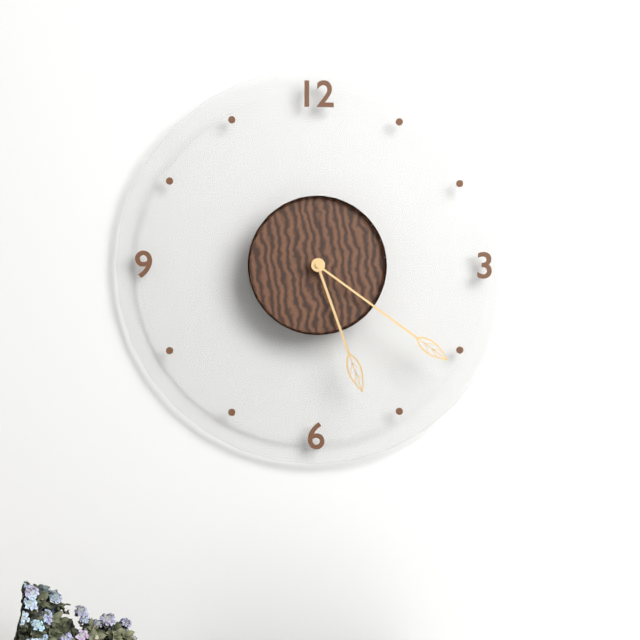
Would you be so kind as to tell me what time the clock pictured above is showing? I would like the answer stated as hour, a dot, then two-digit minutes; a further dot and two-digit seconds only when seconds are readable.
5.21
